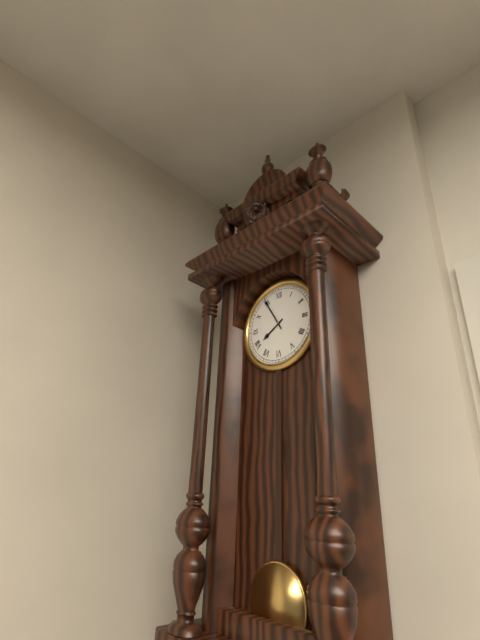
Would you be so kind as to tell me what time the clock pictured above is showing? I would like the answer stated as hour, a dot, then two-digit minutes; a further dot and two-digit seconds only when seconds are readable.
7.55
